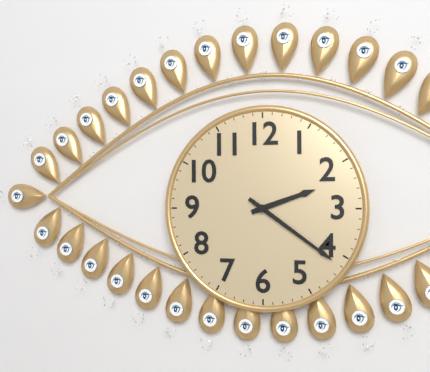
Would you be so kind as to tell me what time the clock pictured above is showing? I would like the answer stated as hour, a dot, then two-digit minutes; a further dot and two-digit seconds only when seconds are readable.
2.21
